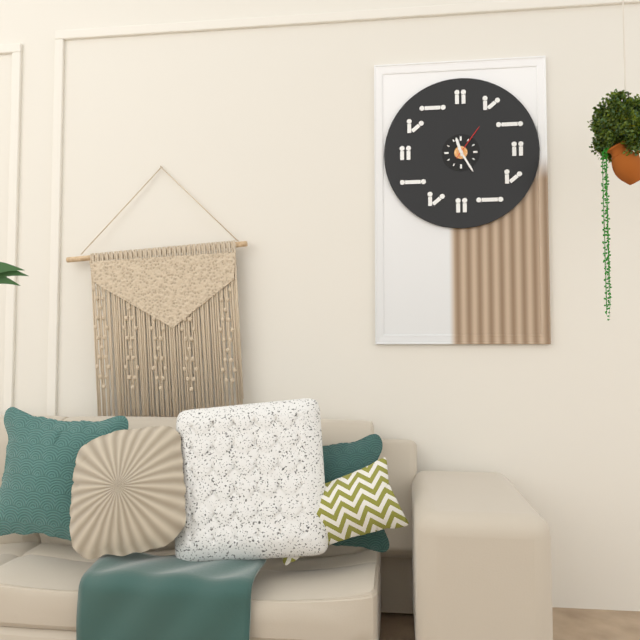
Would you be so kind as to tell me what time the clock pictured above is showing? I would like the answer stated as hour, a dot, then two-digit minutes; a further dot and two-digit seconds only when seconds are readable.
11.25
